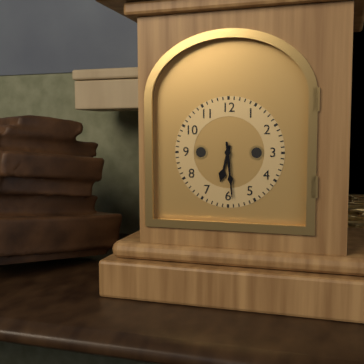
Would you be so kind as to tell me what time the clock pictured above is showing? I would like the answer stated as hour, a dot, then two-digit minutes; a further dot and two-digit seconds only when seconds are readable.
6.29
